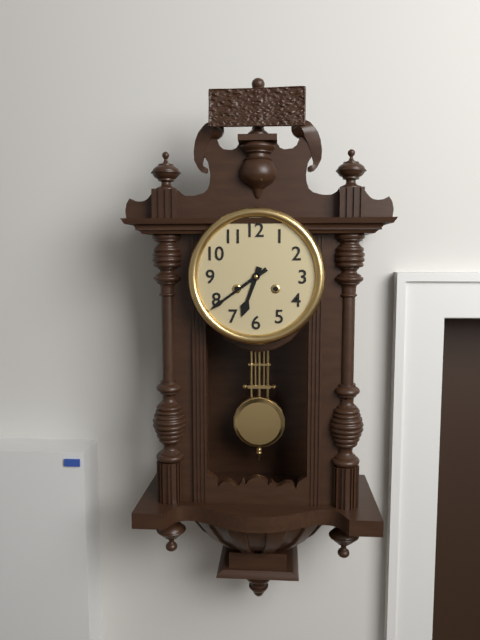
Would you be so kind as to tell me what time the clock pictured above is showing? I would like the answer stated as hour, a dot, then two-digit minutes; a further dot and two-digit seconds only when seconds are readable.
6.39
